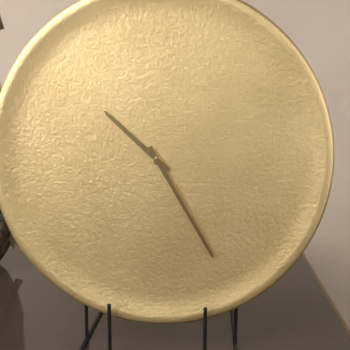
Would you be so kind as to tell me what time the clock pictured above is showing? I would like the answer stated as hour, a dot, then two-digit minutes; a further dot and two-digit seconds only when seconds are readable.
10.25
